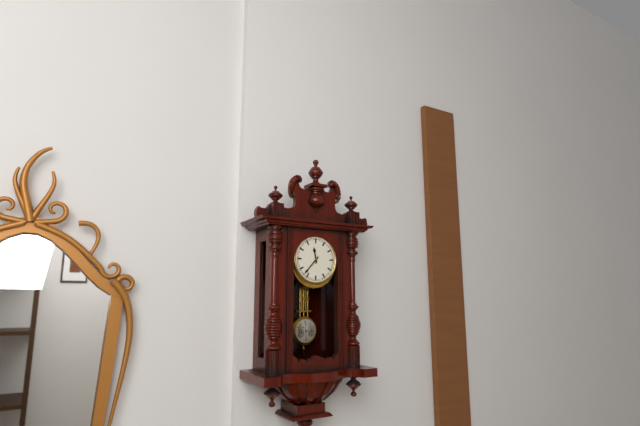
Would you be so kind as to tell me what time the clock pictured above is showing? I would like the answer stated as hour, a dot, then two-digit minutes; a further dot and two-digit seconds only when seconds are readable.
11.37
